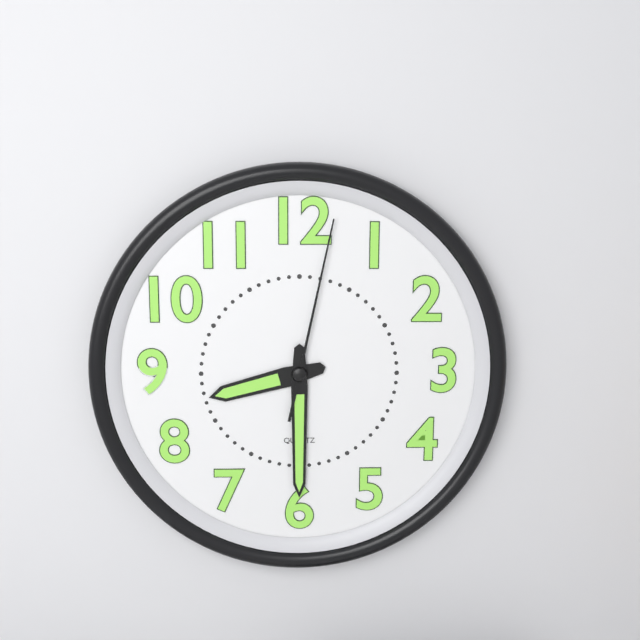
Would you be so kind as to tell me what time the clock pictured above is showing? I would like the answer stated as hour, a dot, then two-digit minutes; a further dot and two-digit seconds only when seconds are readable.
8.30.02
